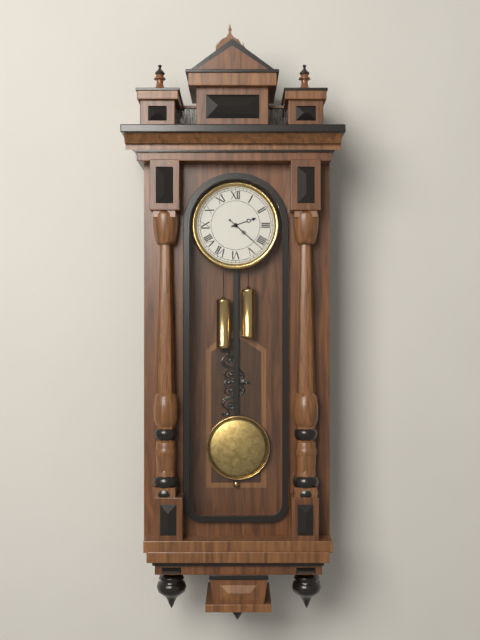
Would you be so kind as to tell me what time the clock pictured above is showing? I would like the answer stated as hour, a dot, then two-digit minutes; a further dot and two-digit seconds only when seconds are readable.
2.22
